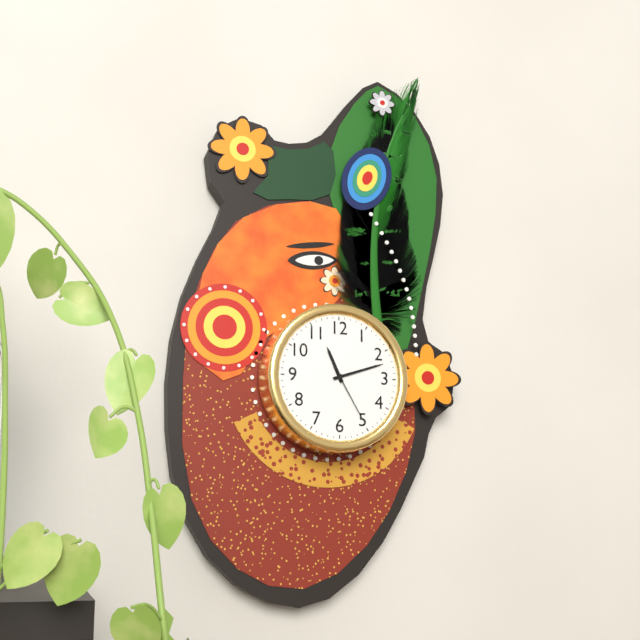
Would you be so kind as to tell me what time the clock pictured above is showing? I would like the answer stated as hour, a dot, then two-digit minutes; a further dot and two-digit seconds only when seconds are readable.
11.12.25
